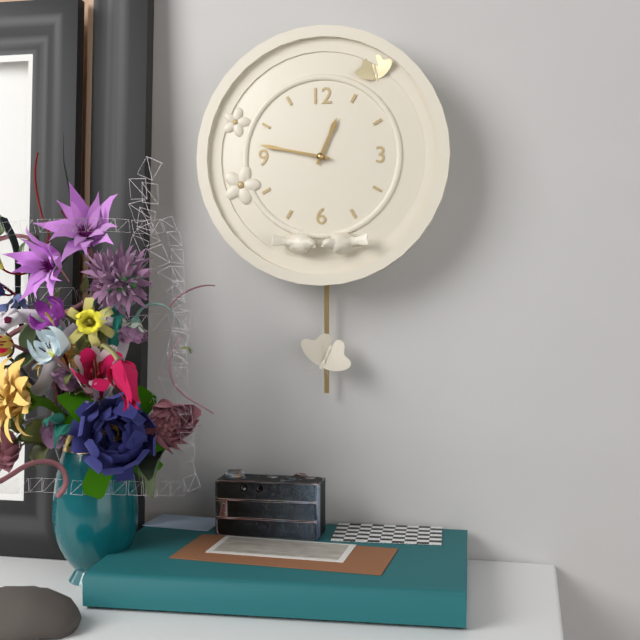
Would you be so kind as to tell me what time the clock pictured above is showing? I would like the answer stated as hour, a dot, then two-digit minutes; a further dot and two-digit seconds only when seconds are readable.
12.47
